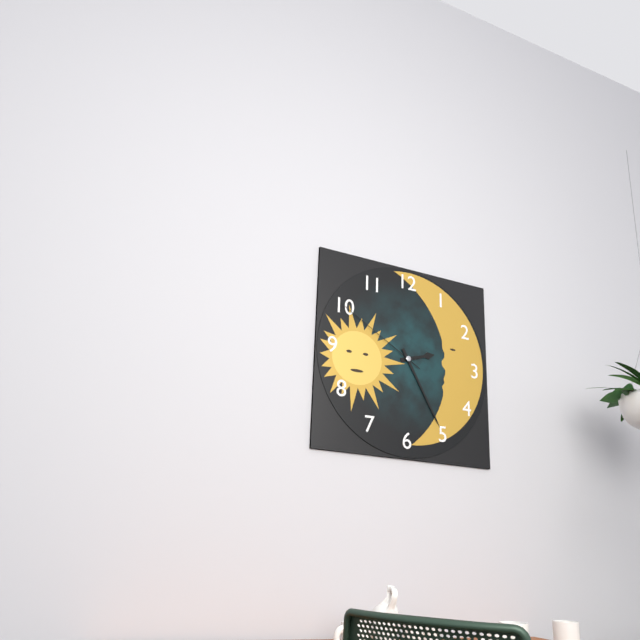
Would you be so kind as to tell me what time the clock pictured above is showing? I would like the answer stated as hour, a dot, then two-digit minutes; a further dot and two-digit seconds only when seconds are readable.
2.25.50
